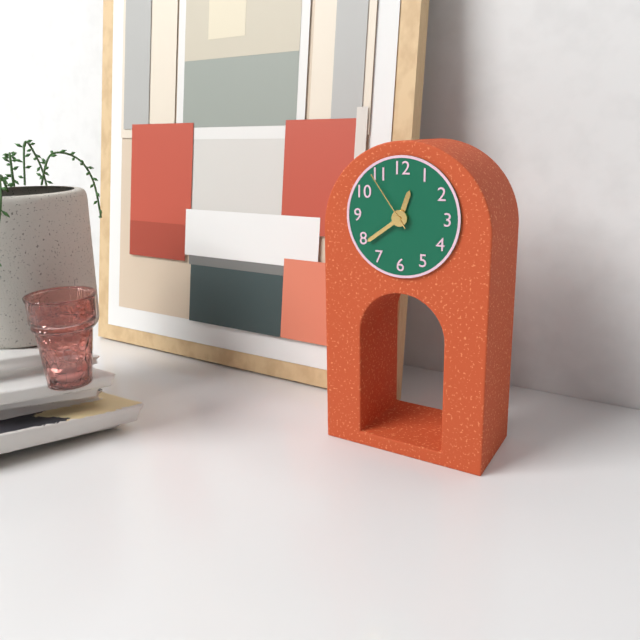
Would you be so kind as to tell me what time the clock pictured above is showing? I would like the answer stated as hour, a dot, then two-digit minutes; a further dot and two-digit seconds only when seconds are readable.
12.39.54
